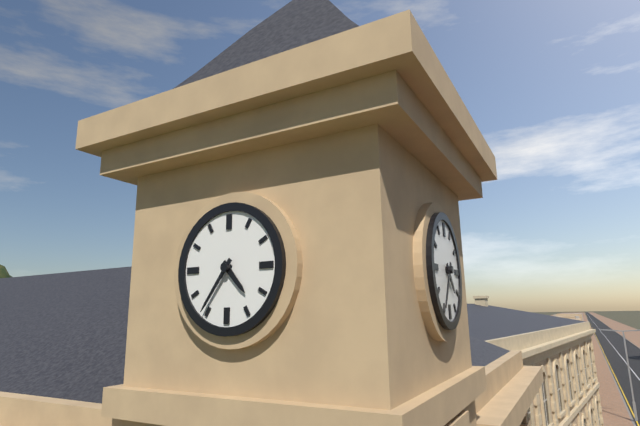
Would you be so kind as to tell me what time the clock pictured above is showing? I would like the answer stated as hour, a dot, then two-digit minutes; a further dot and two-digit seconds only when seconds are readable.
4.36
